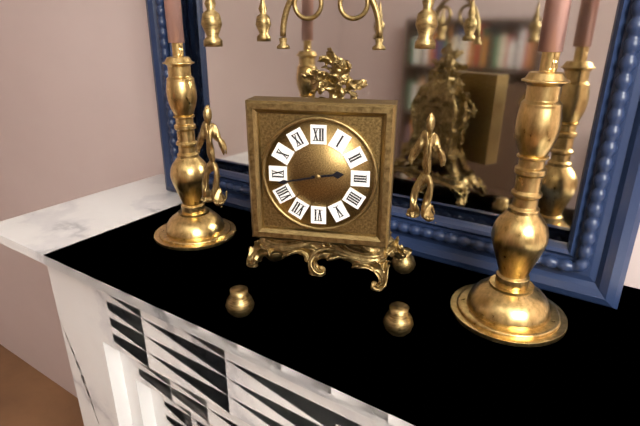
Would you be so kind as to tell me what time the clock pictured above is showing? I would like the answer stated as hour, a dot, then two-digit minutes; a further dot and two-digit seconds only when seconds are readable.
2.43
